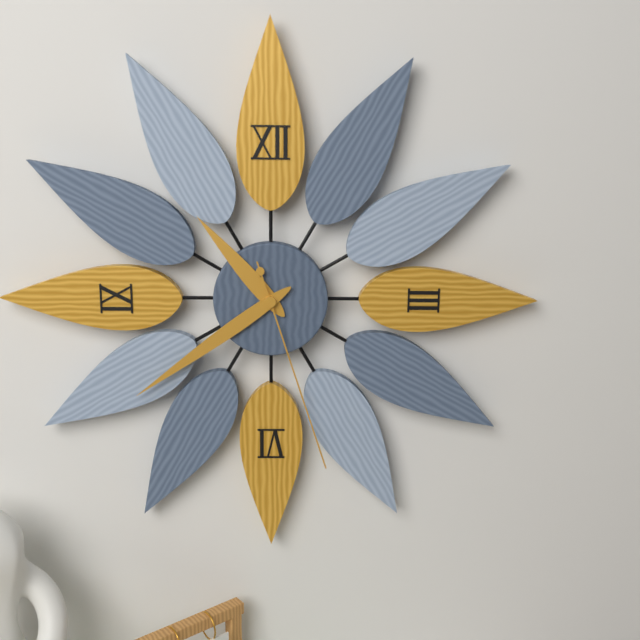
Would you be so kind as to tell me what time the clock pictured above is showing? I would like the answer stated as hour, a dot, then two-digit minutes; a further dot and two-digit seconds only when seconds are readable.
10.39.27
